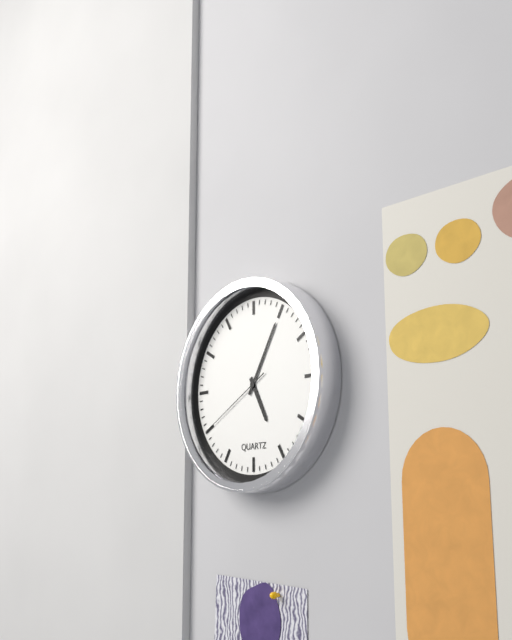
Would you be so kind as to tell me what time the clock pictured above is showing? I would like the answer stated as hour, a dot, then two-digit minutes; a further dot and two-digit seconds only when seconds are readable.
5.05.40
